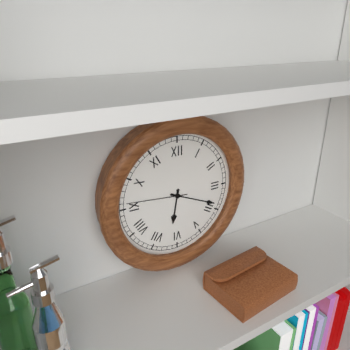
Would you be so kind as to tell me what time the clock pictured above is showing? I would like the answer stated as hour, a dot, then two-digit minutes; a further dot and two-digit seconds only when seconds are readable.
6.19.46
